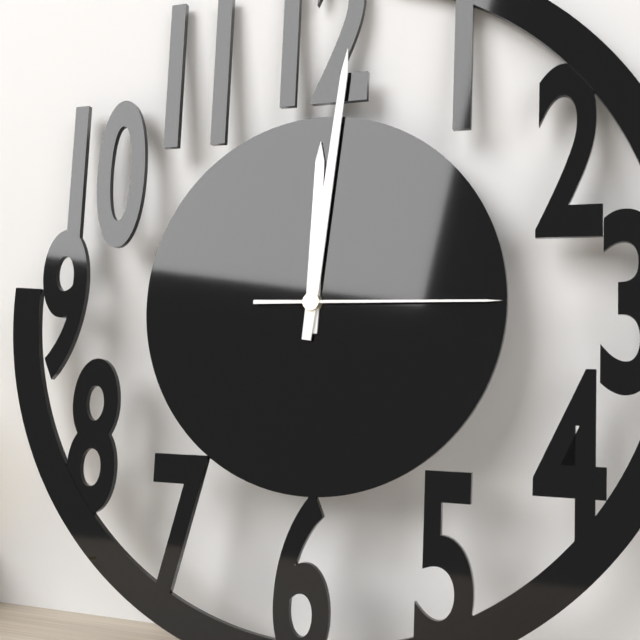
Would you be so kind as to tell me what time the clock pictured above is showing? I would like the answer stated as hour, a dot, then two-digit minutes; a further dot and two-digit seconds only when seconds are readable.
12.01.15
